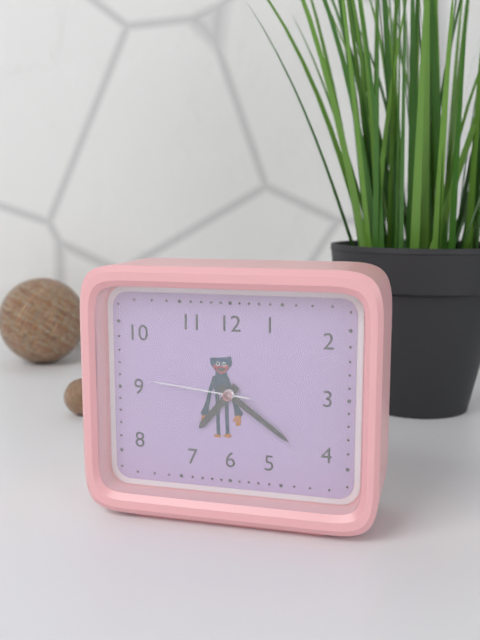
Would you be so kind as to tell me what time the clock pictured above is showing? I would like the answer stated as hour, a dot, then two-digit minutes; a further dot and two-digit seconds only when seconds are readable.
7.21.46
